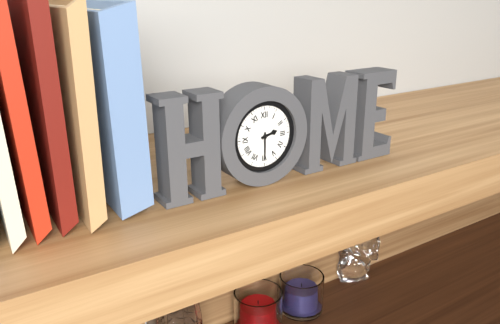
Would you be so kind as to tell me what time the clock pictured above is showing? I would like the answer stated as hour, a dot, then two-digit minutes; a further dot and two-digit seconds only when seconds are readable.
2.30
